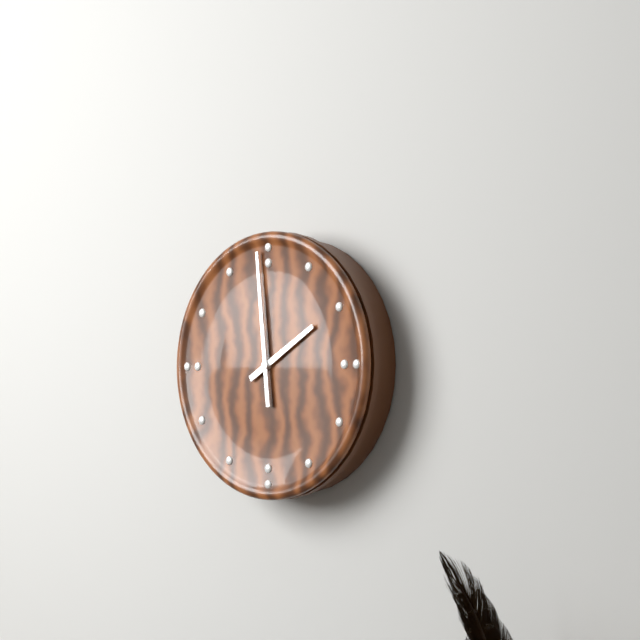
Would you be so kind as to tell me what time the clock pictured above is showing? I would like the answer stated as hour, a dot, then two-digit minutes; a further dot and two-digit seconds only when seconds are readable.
1.59
